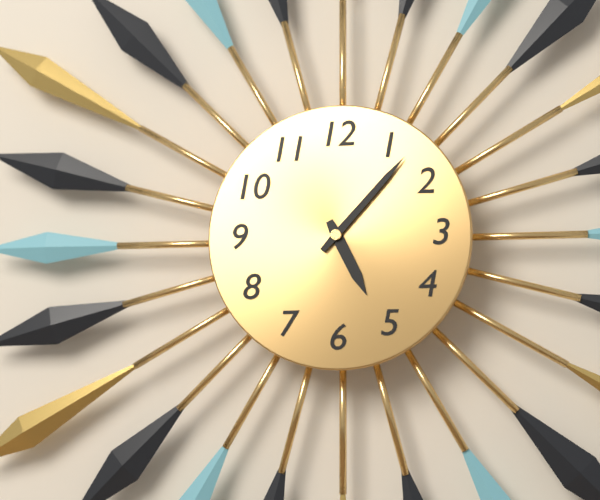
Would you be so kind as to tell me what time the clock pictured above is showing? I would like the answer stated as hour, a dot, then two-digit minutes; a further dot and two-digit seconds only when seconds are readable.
5.07
